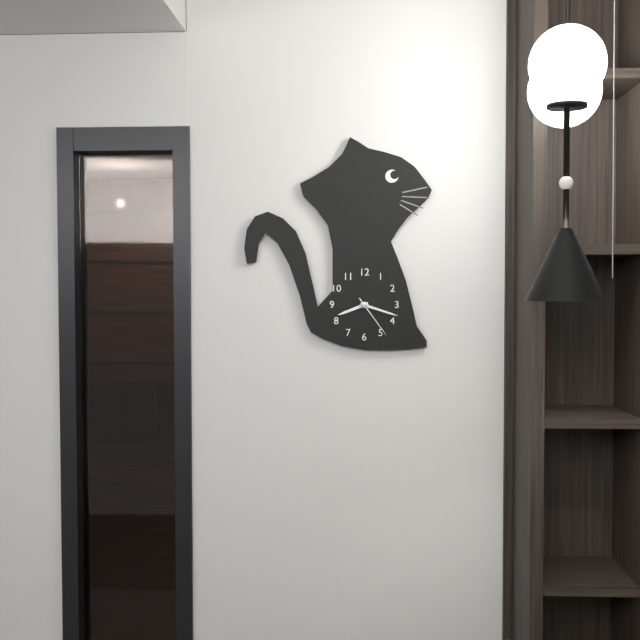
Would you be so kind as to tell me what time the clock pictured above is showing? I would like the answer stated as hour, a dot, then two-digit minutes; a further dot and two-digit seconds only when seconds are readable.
8.18
